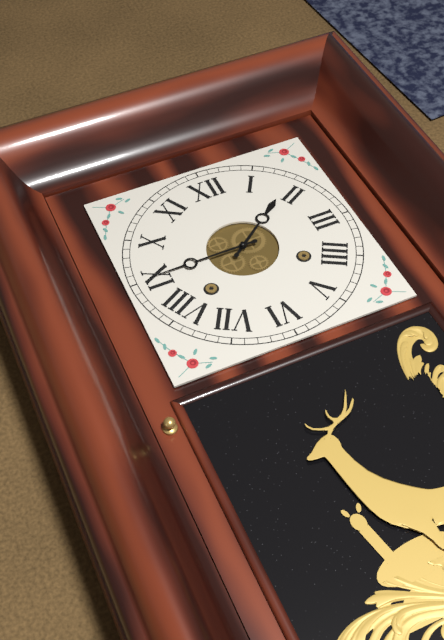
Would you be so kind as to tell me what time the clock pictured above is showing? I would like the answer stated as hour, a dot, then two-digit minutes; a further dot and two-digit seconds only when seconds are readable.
1.45
